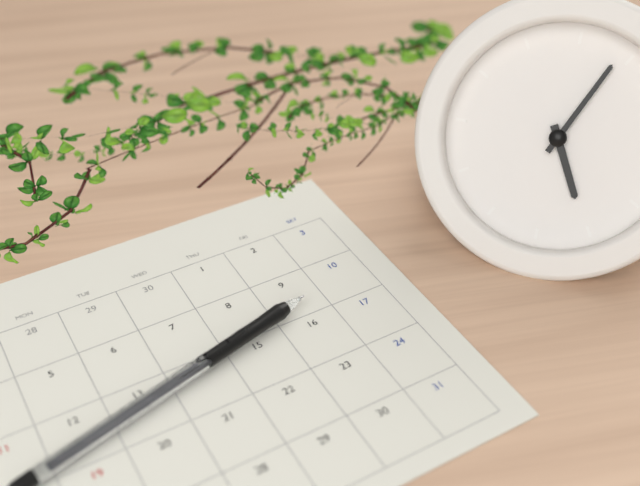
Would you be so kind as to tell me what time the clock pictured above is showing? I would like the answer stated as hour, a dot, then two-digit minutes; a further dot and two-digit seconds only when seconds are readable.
5.04
